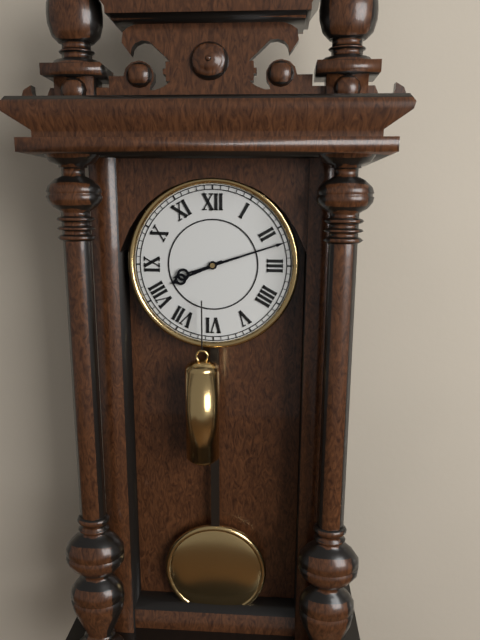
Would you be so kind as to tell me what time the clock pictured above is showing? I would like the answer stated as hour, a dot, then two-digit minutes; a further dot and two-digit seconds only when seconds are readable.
8.12
